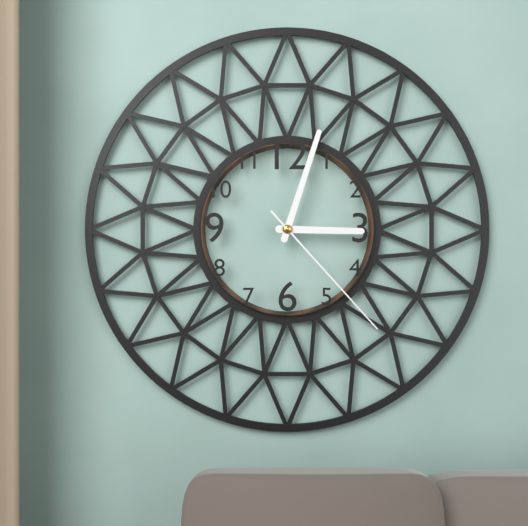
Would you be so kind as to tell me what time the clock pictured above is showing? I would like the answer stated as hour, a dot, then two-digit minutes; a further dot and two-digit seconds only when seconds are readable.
3.03.23
